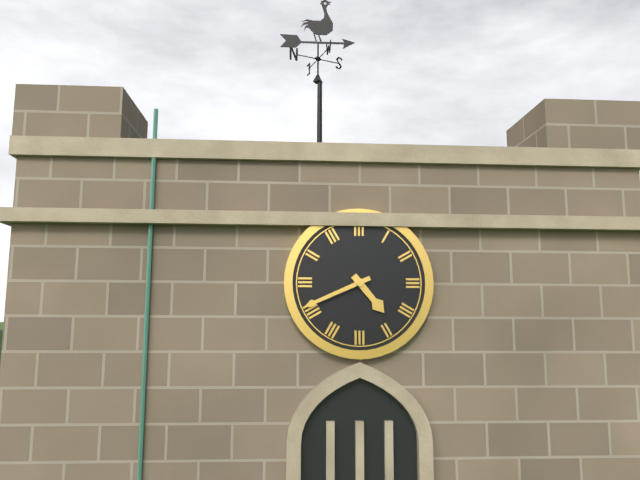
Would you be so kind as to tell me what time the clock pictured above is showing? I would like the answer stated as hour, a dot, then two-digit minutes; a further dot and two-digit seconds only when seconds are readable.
4.41
